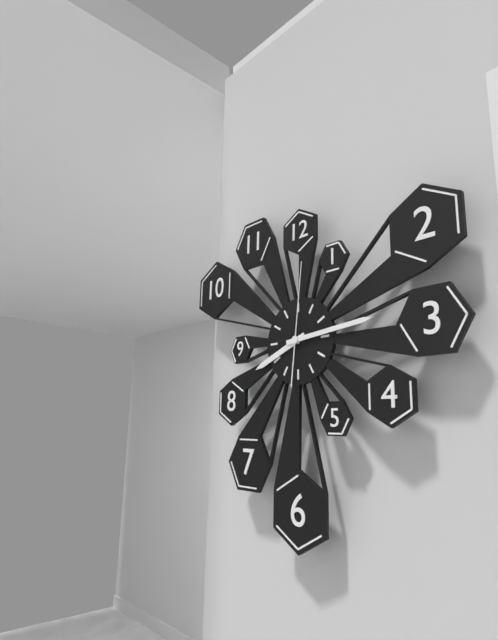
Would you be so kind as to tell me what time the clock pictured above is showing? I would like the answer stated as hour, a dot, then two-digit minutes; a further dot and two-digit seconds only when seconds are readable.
8.14.01
